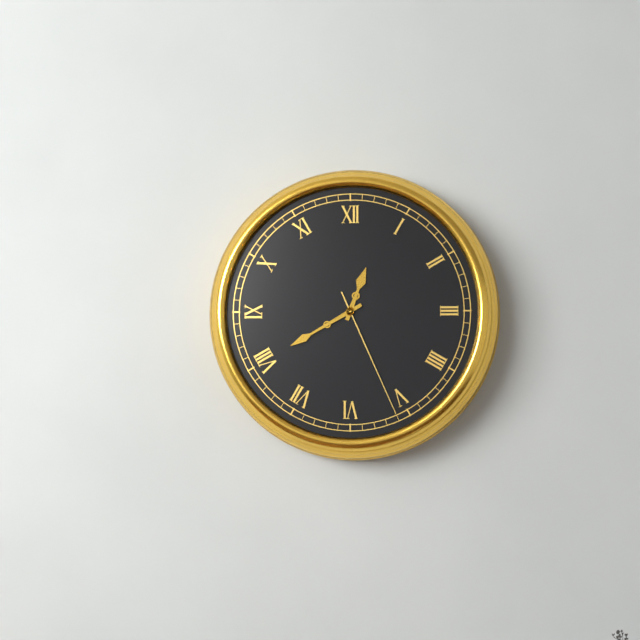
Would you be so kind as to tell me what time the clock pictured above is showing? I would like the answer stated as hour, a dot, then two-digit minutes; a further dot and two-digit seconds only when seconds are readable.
12.40.26
